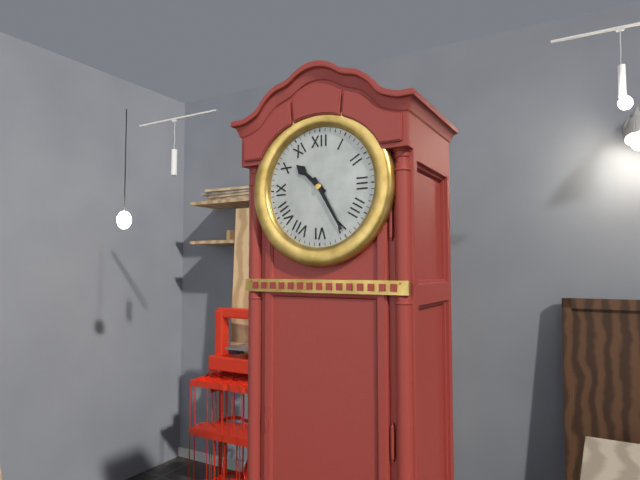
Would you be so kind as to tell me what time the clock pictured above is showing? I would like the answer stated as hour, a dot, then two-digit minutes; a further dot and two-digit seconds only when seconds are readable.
10.25
